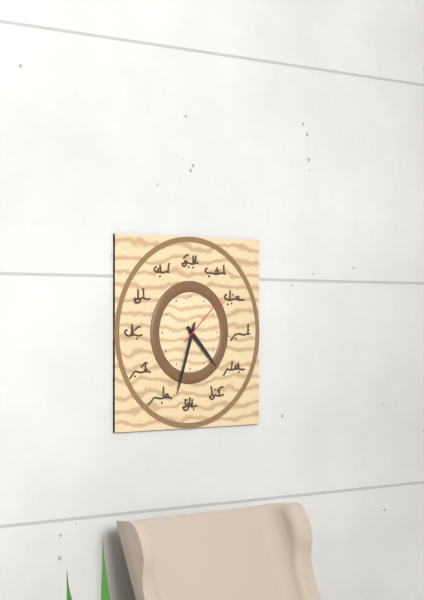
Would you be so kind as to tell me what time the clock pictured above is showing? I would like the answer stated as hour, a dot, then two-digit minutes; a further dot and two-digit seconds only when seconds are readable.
4.33.08
